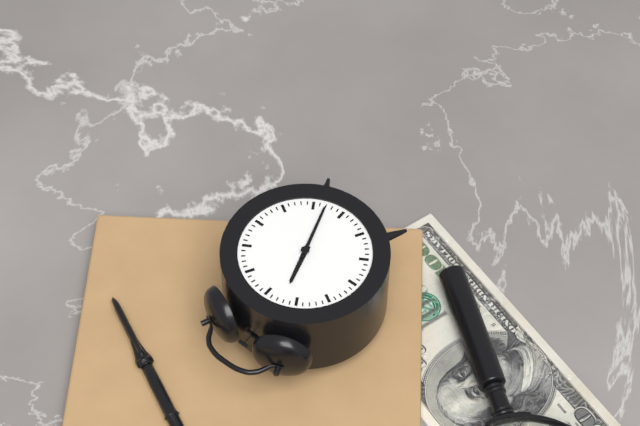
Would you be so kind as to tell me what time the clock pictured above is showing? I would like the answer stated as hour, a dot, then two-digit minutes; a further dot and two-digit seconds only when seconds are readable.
11.27
